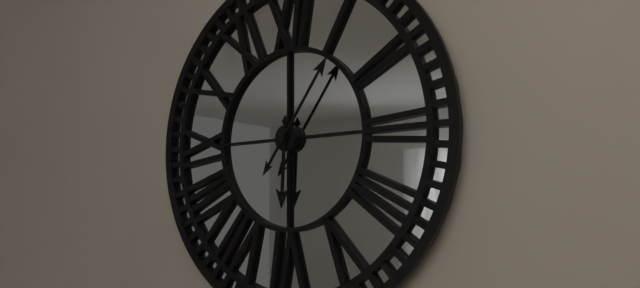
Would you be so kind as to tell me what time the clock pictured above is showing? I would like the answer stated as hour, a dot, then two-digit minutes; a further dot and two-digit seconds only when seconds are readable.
6.06
